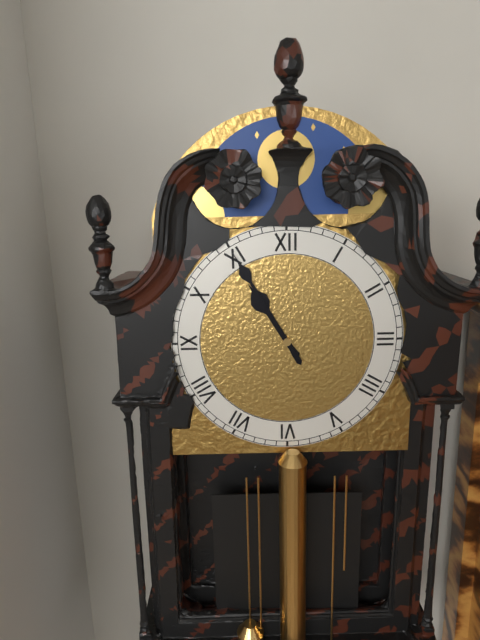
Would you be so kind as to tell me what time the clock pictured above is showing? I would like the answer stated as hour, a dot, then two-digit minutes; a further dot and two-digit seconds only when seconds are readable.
10.55
